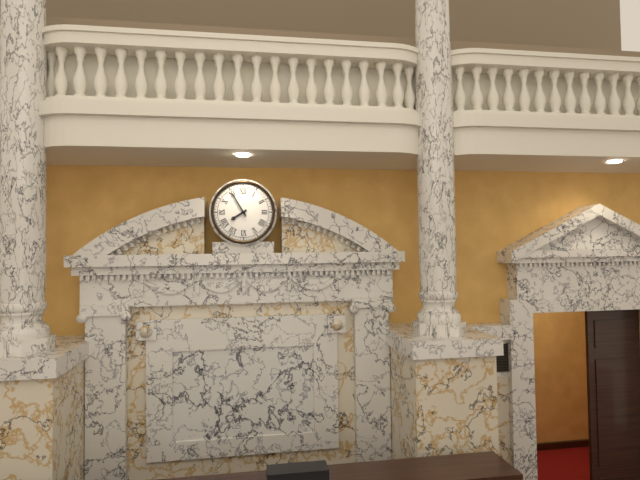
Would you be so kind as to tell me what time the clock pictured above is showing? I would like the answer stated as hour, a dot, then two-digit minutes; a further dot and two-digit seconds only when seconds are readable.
7.55
